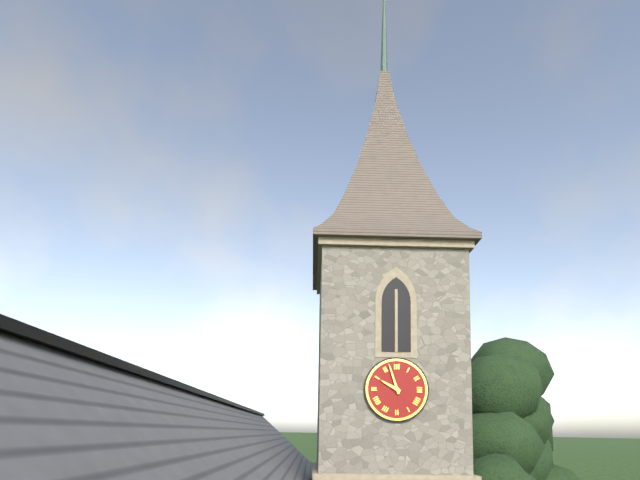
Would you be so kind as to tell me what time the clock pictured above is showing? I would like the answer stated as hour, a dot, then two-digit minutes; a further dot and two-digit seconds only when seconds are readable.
9.57
